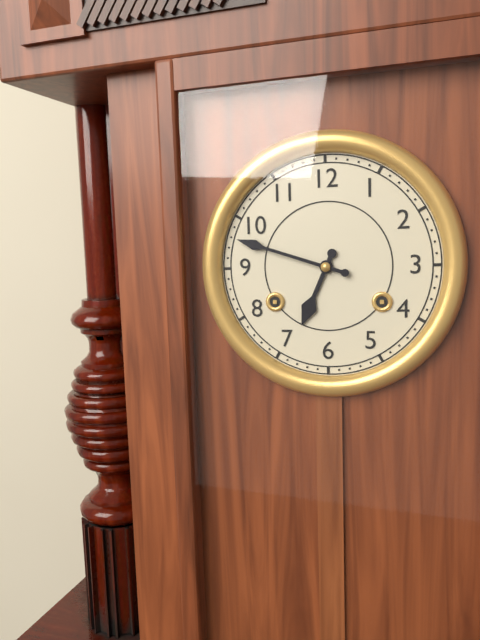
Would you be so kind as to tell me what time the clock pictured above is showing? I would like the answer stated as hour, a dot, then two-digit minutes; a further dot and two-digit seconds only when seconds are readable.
6.48
